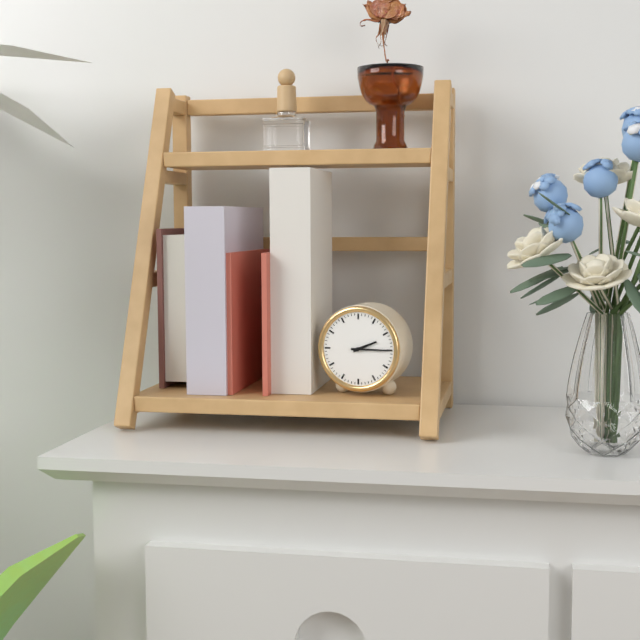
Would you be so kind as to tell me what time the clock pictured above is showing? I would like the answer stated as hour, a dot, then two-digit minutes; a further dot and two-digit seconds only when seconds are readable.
2.15
